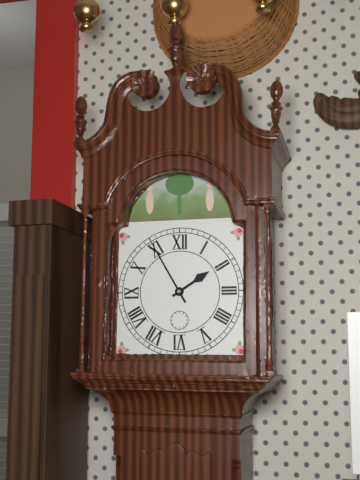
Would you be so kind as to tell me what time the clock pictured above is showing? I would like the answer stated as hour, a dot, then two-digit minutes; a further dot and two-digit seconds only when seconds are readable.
1.55
